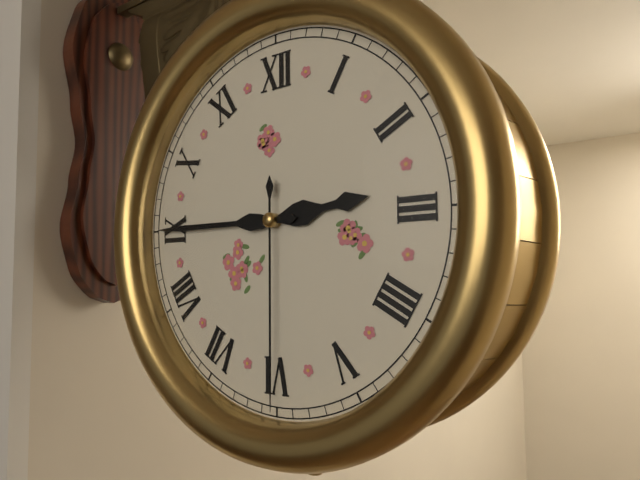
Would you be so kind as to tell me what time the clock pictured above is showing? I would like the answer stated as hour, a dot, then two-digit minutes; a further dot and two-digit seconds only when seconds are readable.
2.45.30
